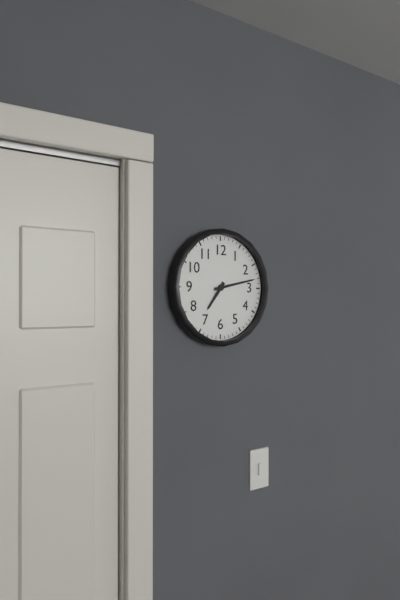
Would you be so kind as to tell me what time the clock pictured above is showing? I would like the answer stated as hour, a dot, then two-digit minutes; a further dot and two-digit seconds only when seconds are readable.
7.13
